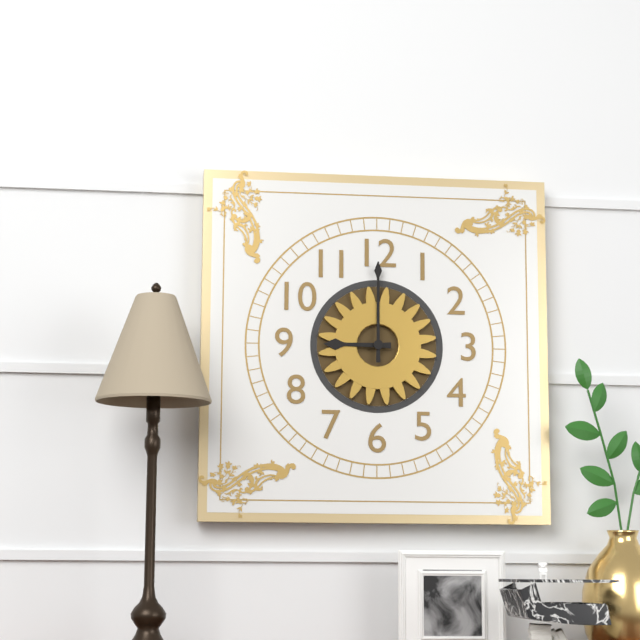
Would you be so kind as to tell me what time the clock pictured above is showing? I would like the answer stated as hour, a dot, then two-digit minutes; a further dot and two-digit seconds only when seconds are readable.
9.00
